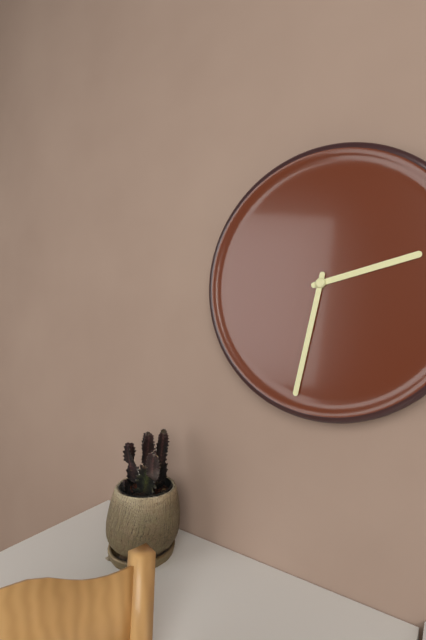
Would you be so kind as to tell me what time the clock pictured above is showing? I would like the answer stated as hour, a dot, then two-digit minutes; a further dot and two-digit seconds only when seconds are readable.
2.32
